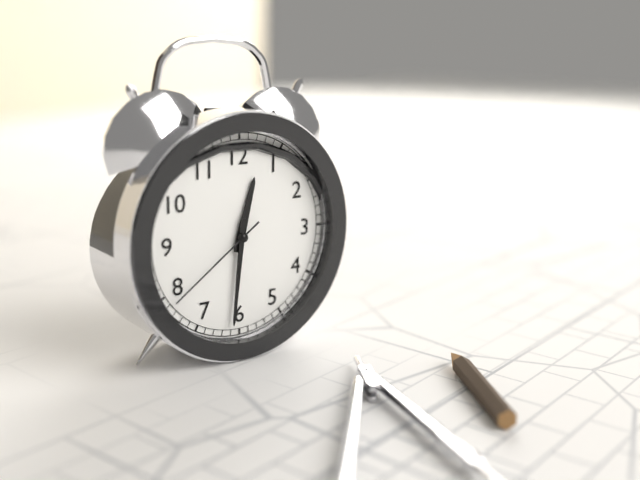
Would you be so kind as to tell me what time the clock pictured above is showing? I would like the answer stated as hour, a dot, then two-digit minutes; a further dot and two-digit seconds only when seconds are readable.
12.31.39
